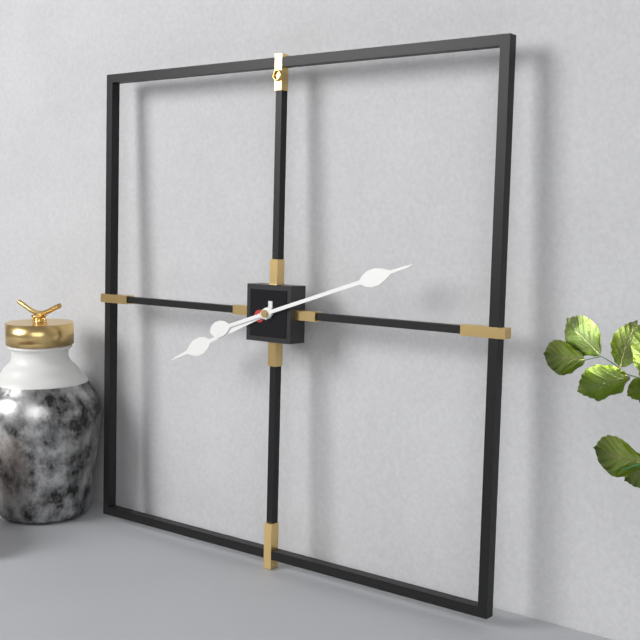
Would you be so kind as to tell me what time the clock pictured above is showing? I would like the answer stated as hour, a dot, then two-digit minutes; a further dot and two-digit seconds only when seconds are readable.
8.12
